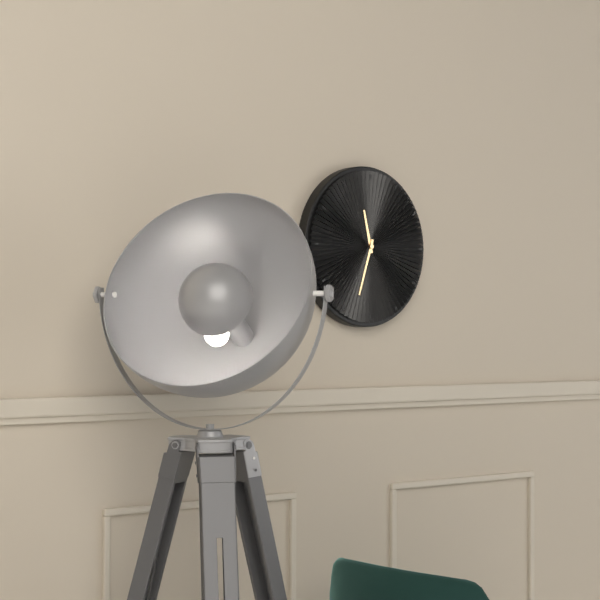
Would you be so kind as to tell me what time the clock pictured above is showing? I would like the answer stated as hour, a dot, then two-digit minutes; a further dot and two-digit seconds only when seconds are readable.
11.33
